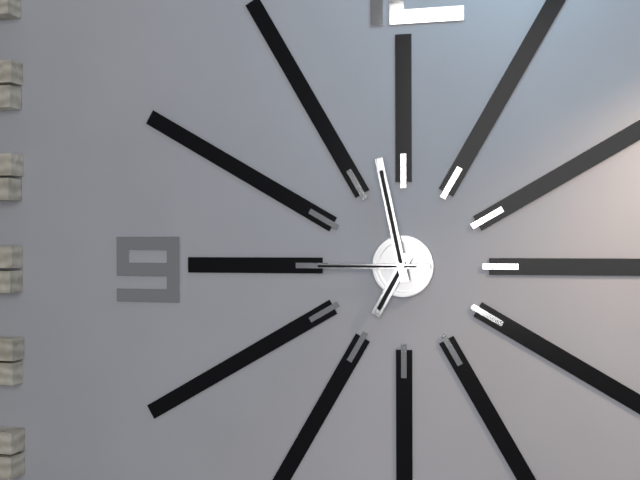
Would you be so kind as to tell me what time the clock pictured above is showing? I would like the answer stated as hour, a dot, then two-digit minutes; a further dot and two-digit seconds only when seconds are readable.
6.58.45
